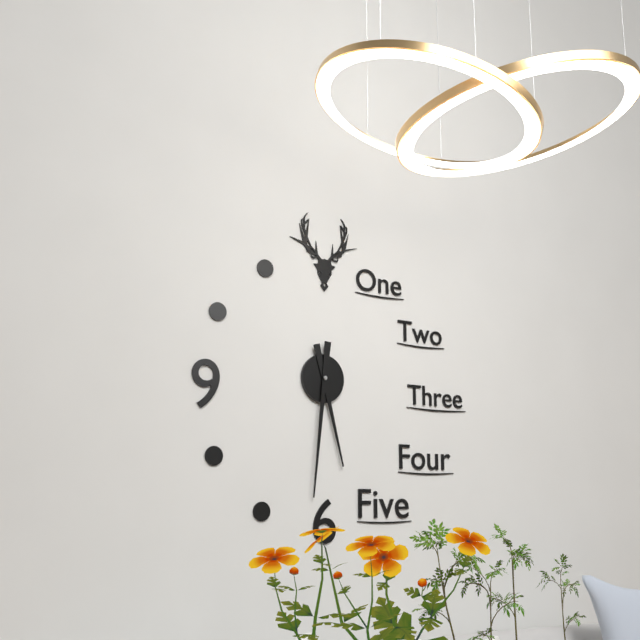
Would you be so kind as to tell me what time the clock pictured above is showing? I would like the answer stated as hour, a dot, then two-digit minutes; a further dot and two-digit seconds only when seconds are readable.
5.31
